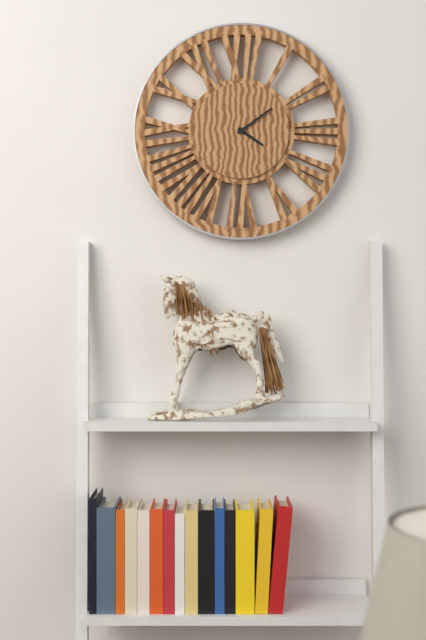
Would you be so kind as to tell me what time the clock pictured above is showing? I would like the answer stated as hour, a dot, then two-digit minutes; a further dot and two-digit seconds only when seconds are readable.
4.09
